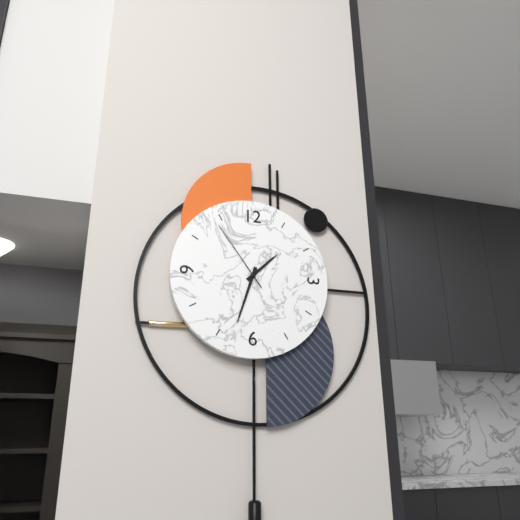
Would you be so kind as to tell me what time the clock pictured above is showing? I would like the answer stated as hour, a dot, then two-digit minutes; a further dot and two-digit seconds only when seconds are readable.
1.33.54
